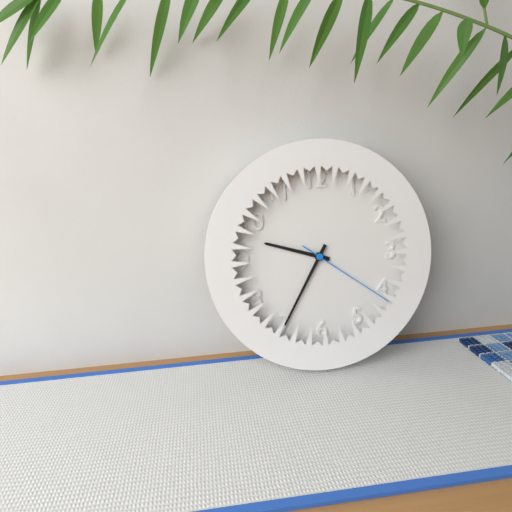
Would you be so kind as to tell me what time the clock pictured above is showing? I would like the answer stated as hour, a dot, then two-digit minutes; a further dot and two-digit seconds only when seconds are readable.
9.35.21
